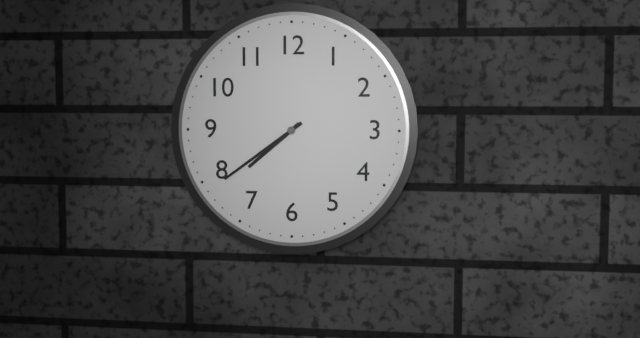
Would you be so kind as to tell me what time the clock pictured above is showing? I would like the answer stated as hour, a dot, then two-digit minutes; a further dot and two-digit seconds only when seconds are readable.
7.39
